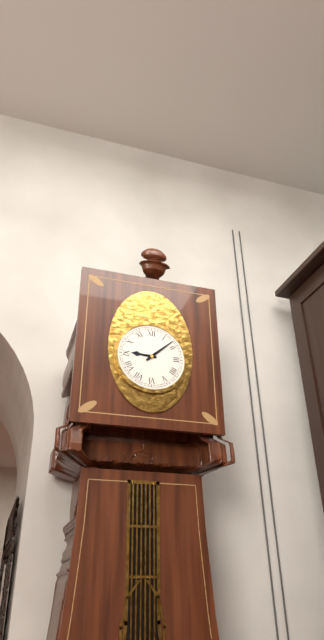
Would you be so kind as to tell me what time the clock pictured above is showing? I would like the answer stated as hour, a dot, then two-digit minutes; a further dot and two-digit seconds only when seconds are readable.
9.08
